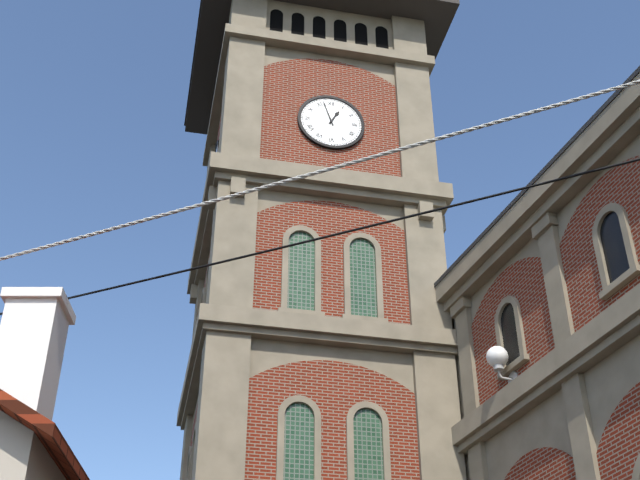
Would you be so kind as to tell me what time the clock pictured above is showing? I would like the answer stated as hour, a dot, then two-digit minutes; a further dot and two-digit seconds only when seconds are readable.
12.57
